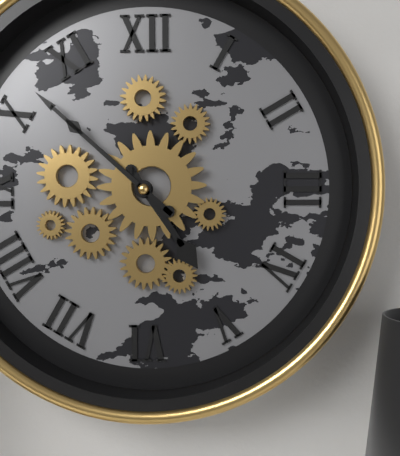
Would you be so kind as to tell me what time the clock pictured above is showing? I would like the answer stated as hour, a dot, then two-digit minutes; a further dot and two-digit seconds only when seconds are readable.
4.52
